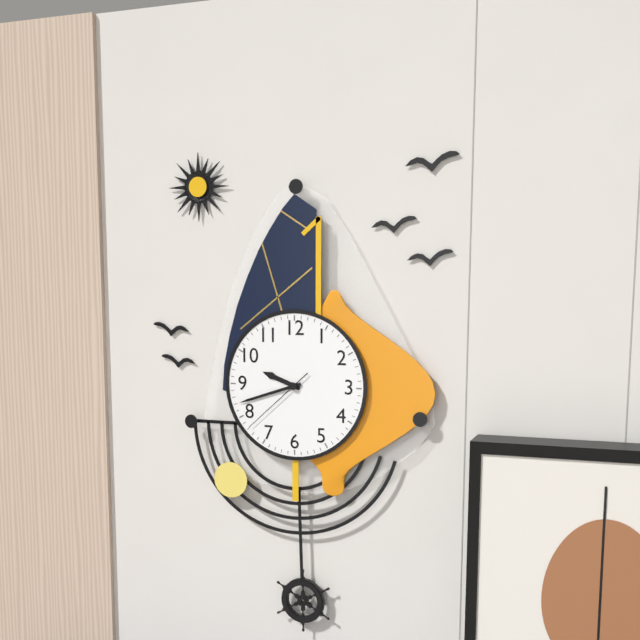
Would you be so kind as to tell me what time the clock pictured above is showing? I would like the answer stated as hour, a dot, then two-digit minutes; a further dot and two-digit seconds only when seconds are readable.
9.42.38
